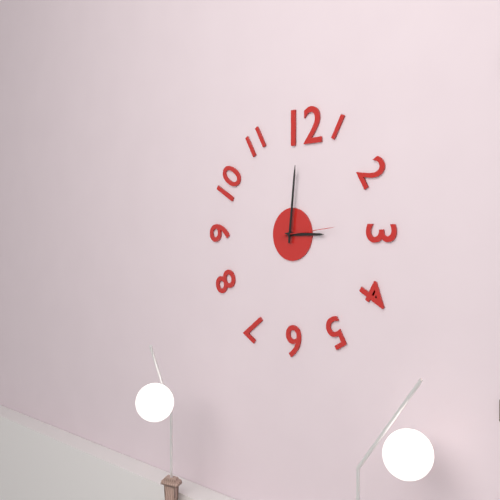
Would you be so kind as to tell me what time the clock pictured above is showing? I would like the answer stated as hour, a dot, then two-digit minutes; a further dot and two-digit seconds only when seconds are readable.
3.01.14
